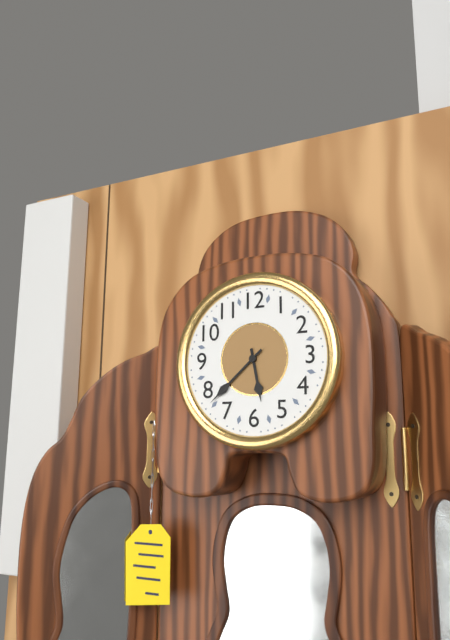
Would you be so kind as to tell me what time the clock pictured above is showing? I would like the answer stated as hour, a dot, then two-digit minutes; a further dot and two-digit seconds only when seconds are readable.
5.38
